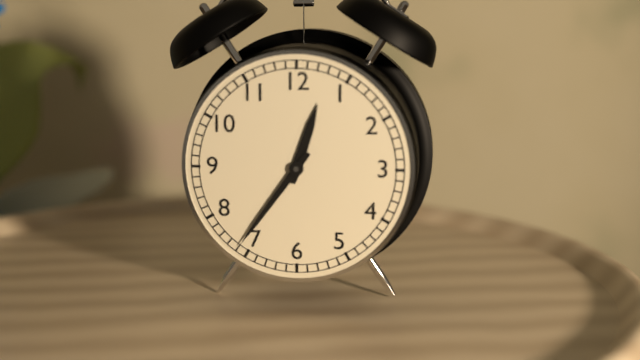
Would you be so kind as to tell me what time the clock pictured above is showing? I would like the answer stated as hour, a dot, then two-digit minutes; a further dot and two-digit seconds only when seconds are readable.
12.36
